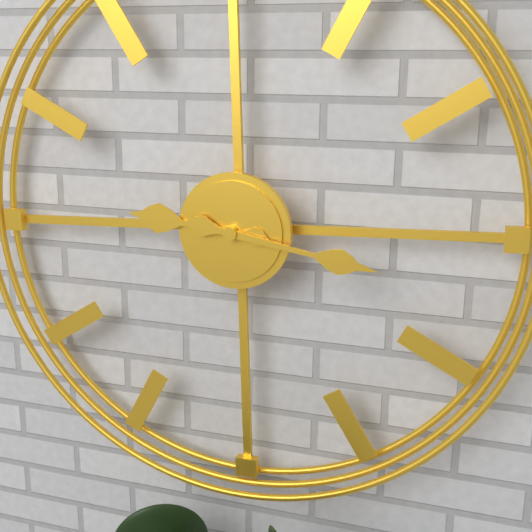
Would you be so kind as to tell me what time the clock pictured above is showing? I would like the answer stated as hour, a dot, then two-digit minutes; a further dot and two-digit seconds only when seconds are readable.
9.17
